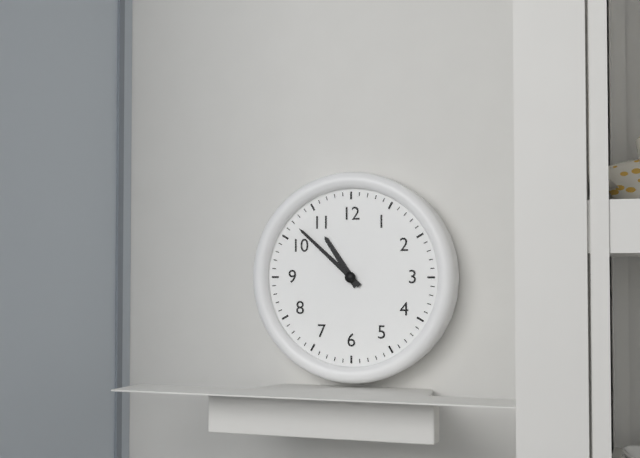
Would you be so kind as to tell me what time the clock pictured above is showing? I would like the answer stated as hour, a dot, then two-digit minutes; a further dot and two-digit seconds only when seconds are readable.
10.52
